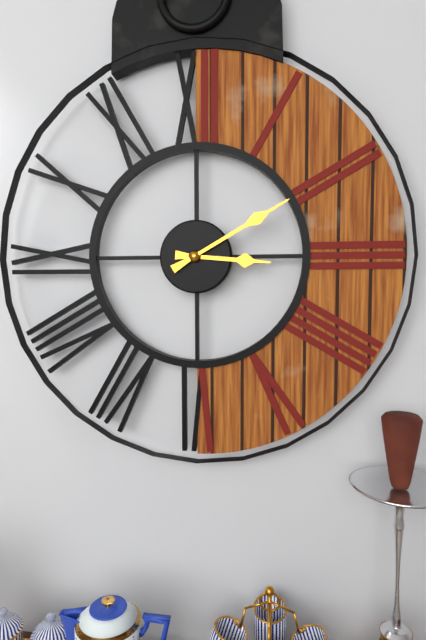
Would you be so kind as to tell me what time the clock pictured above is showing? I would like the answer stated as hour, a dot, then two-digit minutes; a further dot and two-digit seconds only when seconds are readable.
3.10
